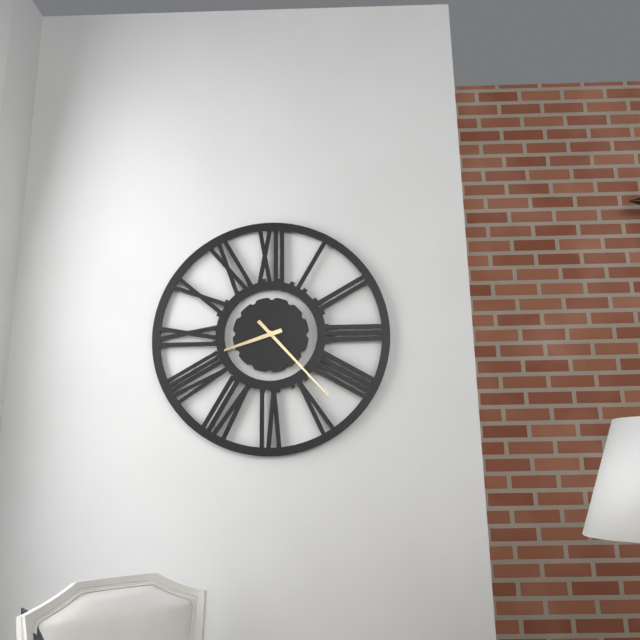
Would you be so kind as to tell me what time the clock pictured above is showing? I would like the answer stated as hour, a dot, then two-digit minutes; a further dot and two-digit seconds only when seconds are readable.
8.23
